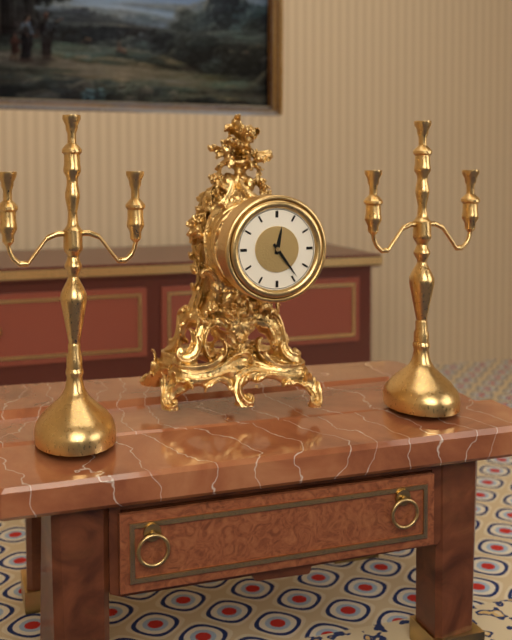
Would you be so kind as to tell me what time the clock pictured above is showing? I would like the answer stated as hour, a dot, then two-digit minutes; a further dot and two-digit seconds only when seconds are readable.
12.24
